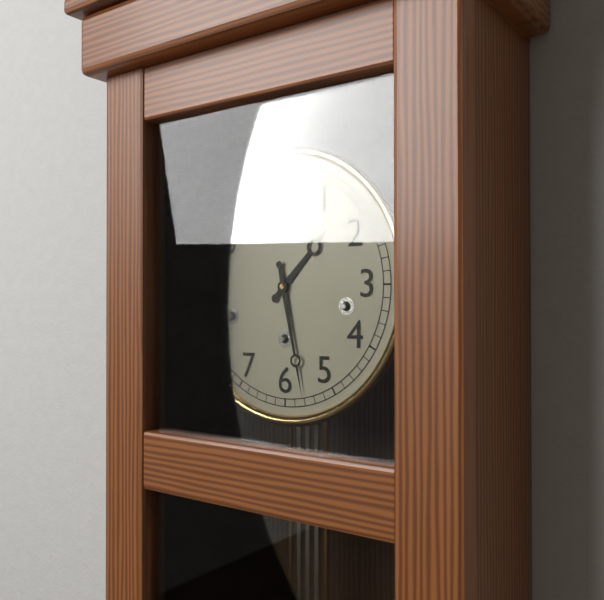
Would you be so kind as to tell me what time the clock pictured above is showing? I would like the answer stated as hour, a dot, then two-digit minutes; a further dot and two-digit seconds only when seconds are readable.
1.28
